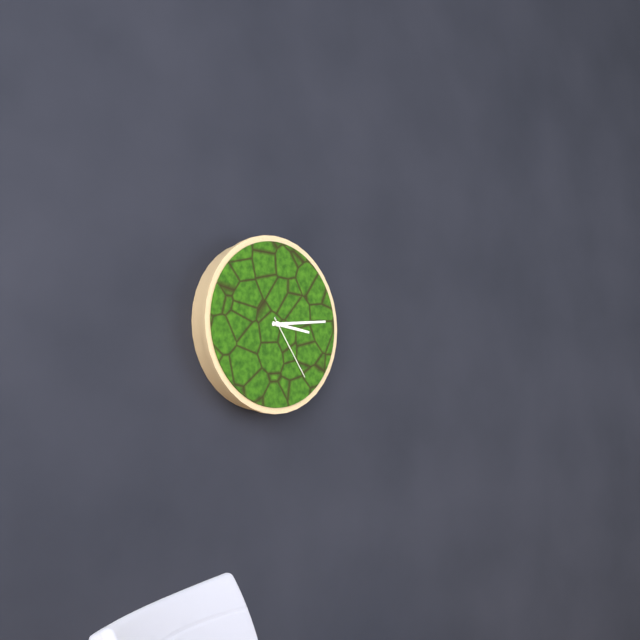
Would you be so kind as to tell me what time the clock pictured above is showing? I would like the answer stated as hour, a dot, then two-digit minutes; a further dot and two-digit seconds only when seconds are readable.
3.14.24
